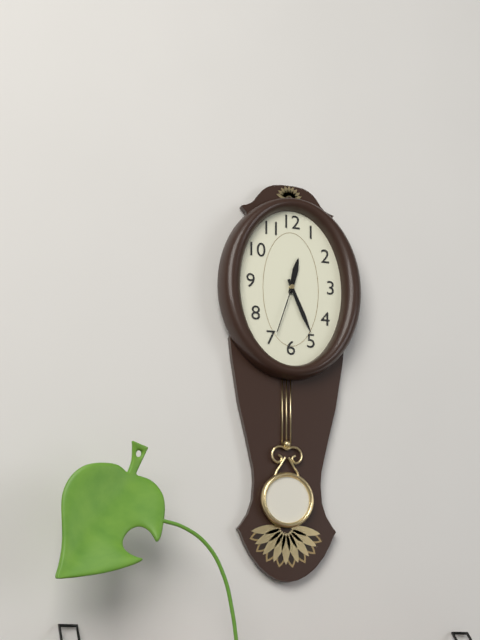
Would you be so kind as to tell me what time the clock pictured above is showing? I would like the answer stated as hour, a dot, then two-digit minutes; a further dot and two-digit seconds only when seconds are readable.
12.26.33
